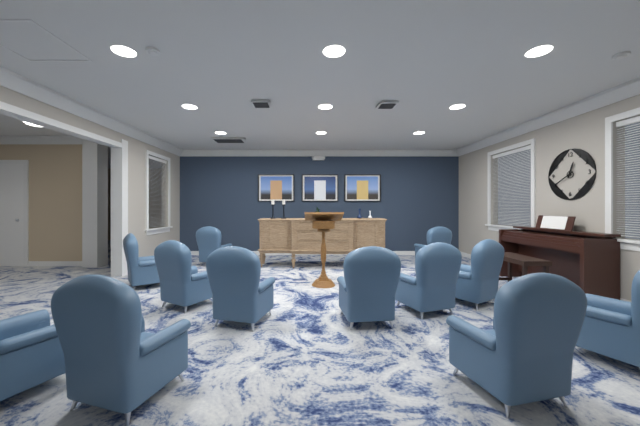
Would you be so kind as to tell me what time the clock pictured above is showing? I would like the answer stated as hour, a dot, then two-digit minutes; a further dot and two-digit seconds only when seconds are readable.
12.40
